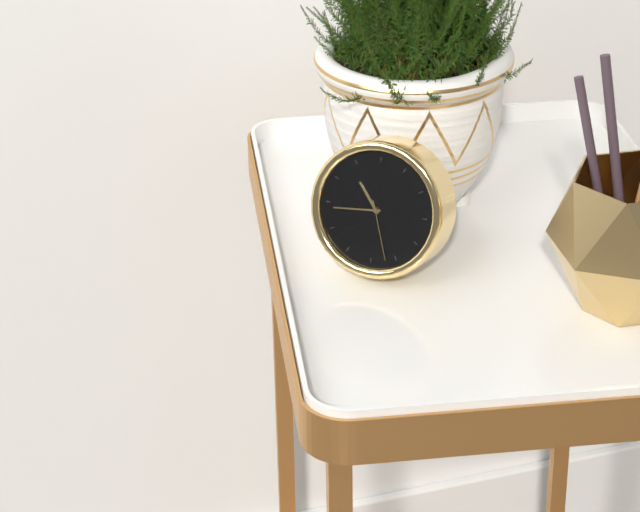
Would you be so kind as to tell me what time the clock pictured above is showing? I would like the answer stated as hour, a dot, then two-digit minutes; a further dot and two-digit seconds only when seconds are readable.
10.44.27
